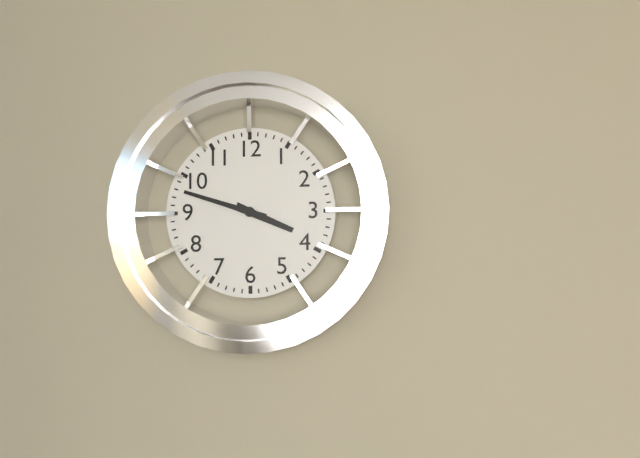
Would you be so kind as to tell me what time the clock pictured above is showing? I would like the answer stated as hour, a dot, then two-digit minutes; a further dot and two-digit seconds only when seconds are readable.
3.48
